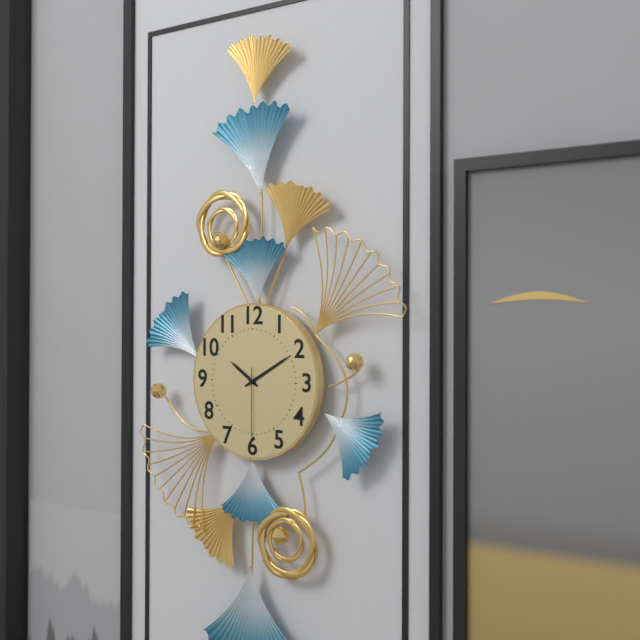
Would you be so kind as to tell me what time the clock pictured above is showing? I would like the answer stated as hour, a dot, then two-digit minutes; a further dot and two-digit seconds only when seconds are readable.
10.10.30
